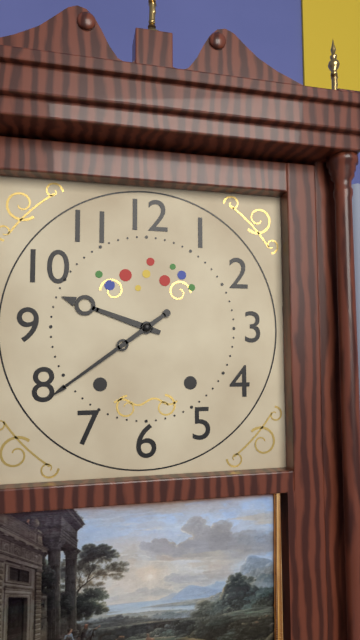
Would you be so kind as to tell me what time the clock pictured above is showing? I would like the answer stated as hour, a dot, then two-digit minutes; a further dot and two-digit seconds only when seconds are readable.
9.39
